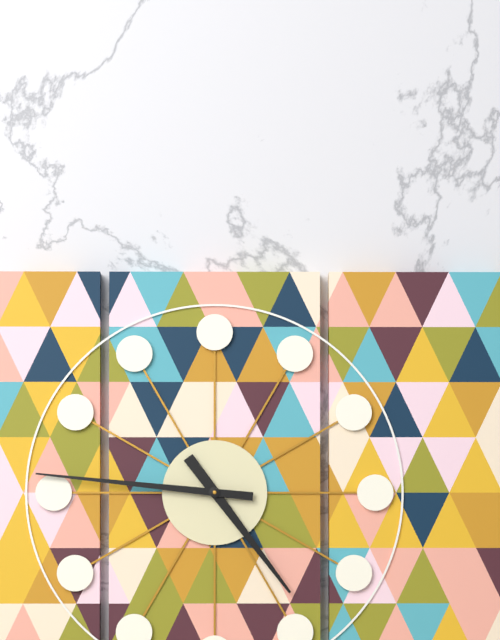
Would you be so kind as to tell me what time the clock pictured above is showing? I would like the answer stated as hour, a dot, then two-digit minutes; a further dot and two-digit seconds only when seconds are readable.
4.46
